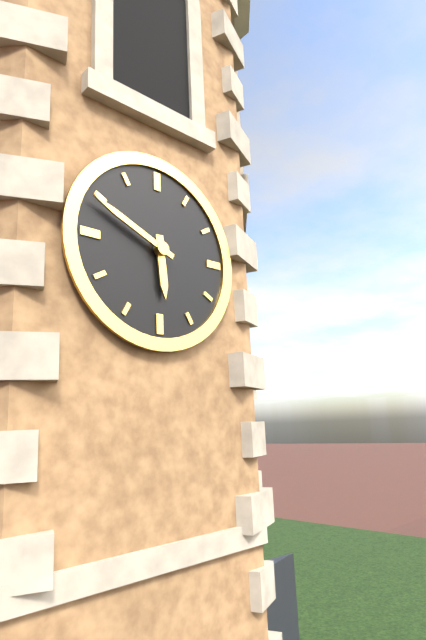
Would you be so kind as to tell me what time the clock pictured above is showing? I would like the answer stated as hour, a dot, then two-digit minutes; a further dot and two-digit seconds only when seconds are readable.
5.49
